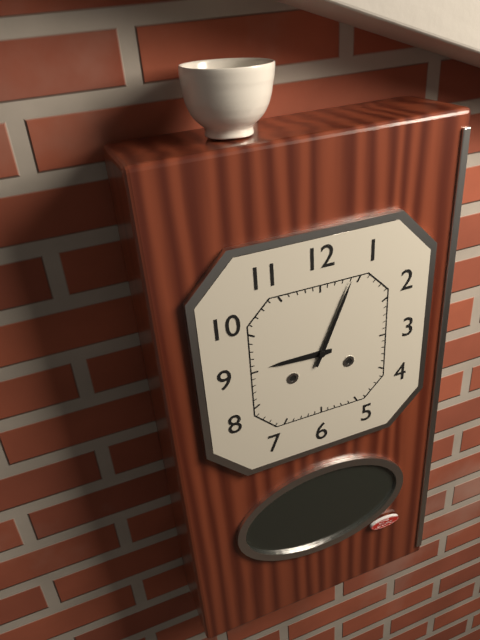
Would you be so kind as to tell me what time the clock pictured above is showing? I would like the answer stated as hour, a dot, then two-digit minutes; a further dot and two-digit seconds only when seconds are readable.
9.04
